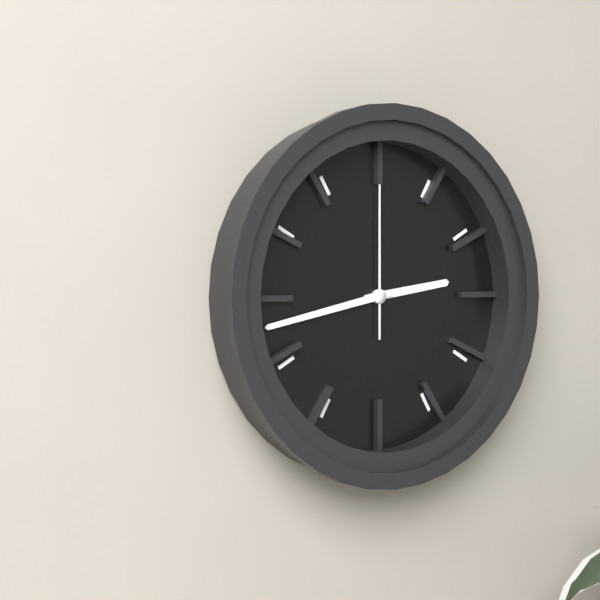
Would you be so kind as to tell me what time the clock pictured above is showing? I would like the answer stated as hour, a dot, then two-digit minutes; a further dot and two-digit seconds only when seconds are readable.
2.43.00
